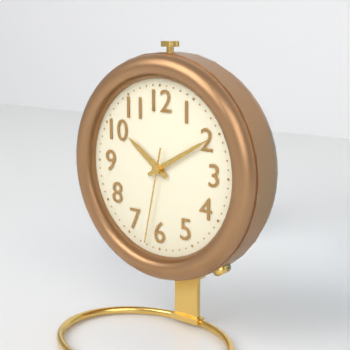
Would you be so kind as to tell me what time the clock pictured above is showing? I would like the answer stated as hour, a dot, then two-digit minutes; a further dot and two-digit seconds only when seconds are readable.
10.10.32
